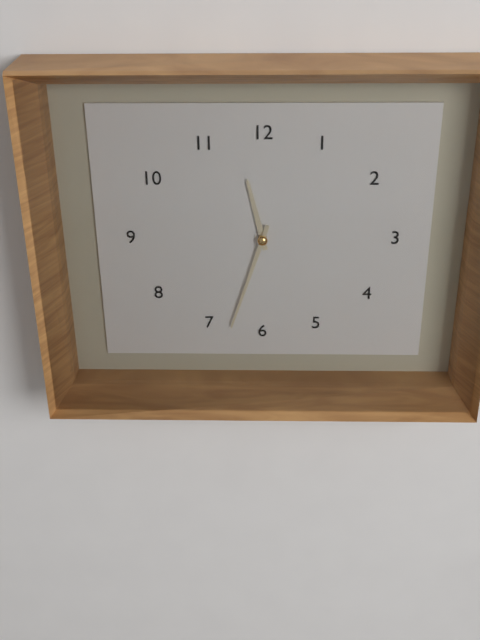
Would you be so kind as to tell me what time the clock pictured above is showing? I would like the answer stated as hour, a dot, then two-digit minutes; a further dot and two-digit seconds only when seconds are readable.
11.33
